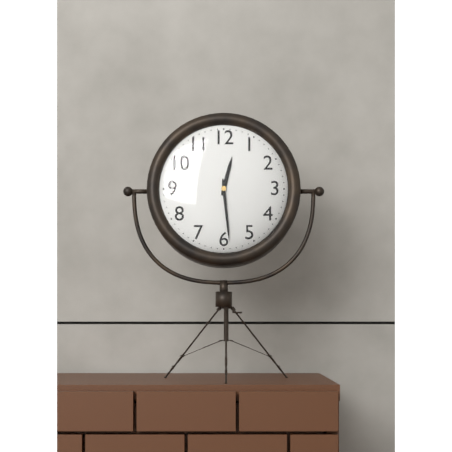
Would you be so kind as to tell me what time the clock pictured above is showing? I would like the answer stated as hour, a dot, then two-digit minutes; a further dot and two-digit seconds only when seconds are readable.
12.29
